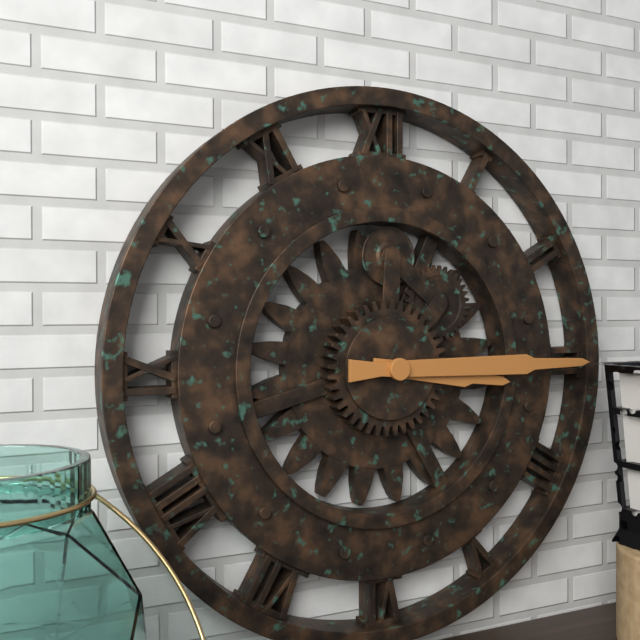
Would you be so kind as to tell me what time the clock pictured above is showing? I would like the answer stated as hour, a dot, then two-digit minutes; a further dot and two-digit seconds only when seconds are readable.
3.15
